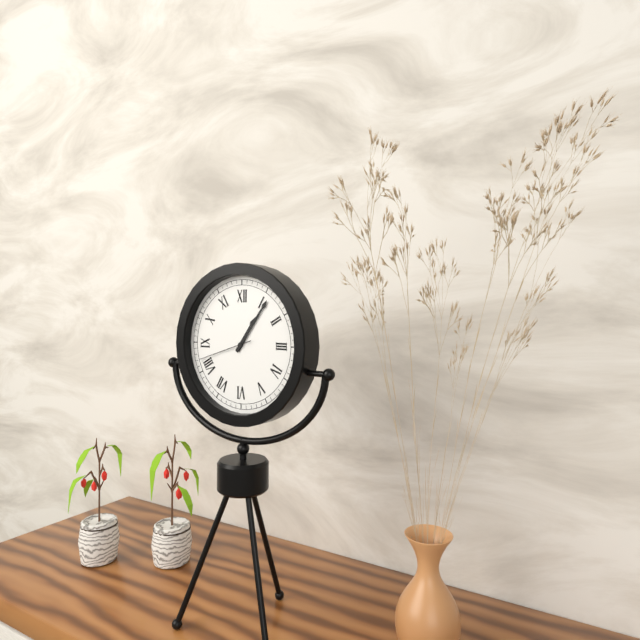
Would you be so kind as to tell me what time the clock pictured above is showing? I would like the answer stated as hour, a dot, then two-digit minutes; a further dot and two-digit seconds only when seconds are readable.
1.06.42
